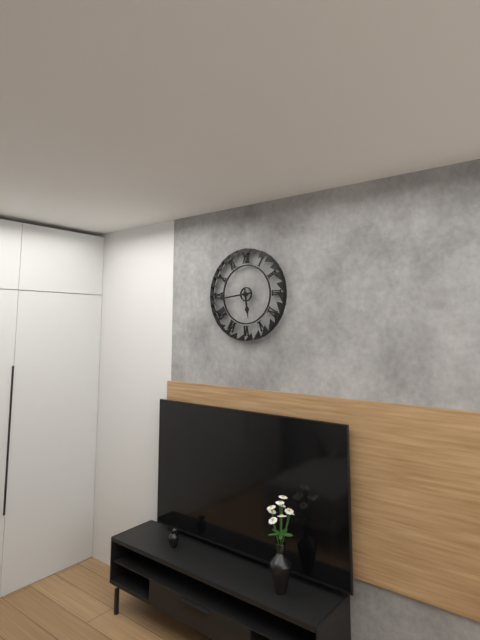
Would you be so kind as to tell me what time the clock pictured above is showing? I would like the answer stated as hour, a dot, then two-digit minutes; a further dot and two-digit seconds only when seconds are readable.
5.44
